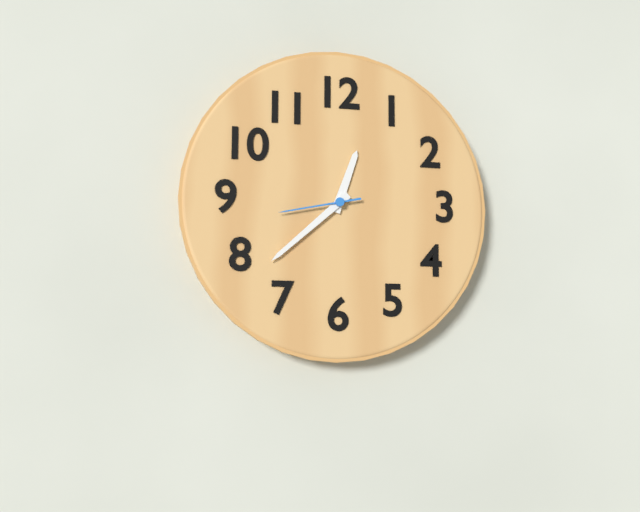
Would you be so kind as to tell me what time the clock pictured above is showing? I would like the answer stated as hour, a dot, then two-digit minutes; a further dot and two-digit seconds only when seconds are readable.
12.38.43
